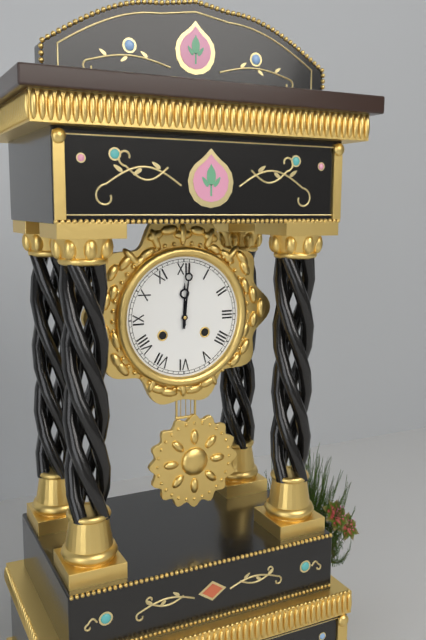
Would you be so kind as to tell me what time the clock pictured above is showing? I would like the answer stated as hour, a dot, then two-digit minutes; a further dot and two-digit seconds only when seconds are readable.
12.01
